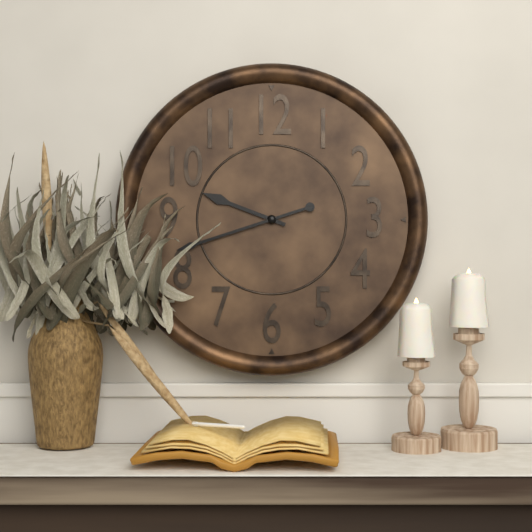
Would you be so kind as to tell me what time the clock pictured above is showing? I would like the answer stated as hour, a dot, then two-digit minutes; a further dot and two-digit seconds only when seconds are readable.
9.42
